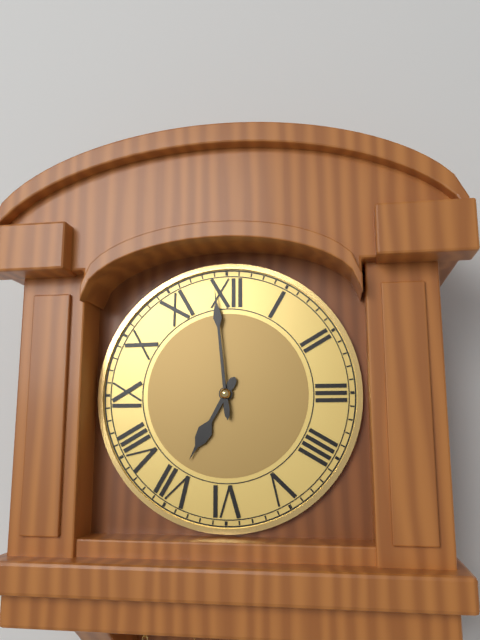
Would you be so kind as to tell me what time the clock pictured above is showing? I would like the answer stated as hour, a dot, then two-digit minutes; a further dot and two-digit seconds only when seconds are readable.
6.59
